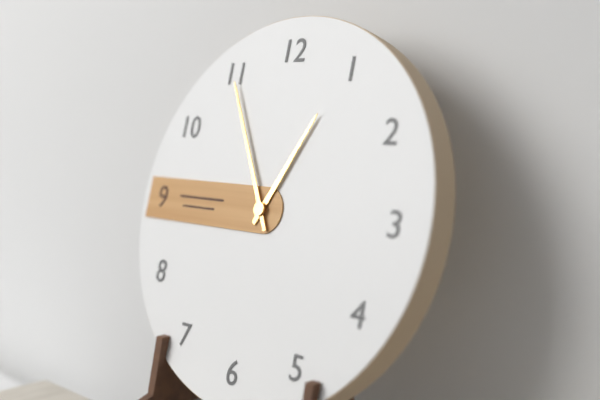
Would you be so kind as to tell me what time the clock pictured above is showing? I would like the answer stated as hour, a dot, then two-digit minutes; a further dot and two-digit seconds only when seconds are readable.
12.55
